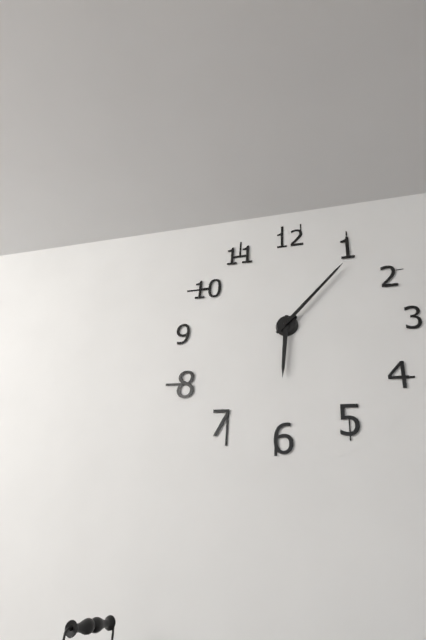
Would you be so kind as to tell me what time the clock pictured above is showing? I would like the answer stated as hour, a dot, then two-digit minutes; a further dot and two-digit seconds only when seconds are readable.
6.07
